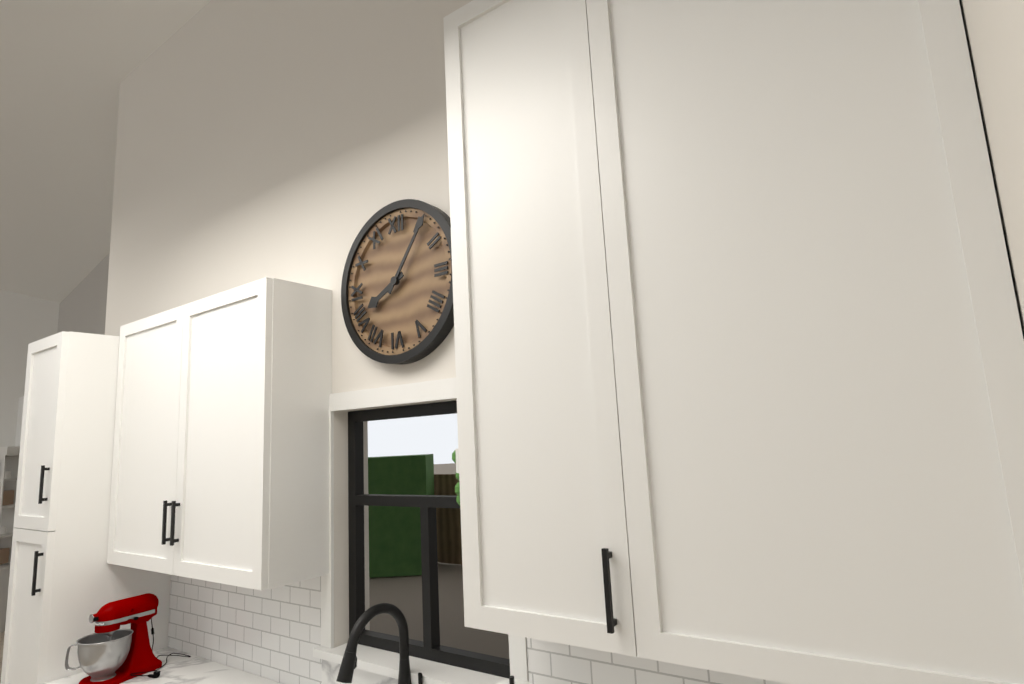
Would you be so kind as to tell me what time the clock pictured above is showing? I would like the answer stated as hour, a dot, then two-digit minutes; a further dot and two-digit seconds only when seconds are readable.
8.06
